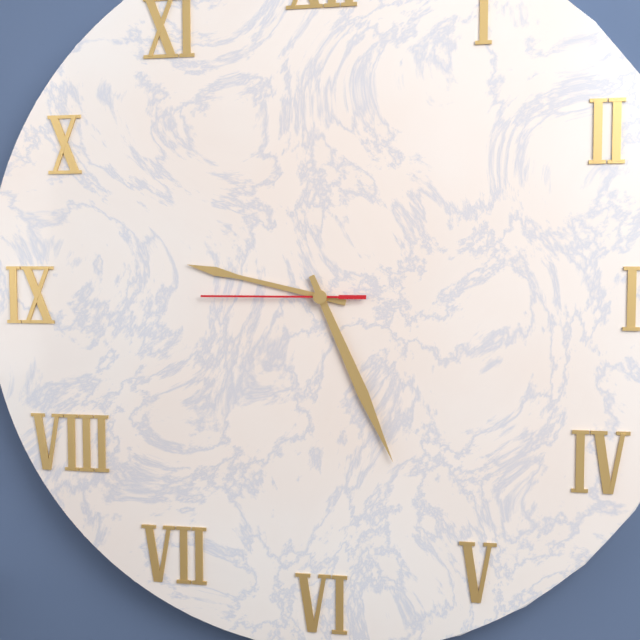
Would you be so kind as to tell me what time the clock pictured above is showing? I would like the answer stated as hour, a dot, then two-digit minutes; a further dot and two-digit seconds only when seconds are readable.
9.26.45
